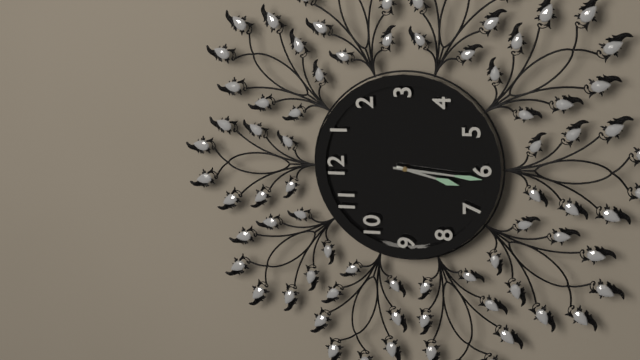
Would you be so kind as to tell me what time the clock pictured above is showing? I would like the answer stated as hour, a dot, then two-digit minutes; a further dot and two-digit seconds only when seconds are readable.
6.31
